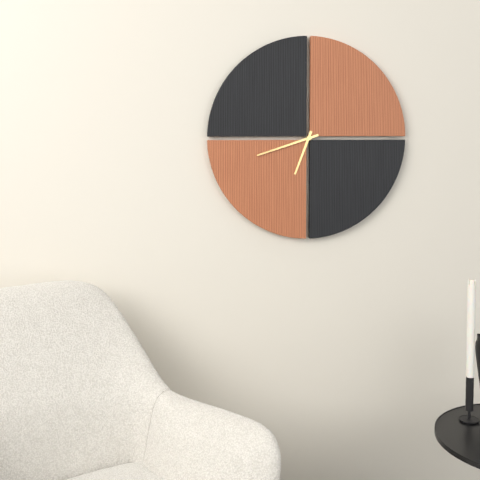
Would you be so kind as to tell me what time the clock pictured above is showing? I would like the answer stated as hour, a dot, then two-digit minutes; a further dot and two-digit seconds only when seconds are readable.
6.42
